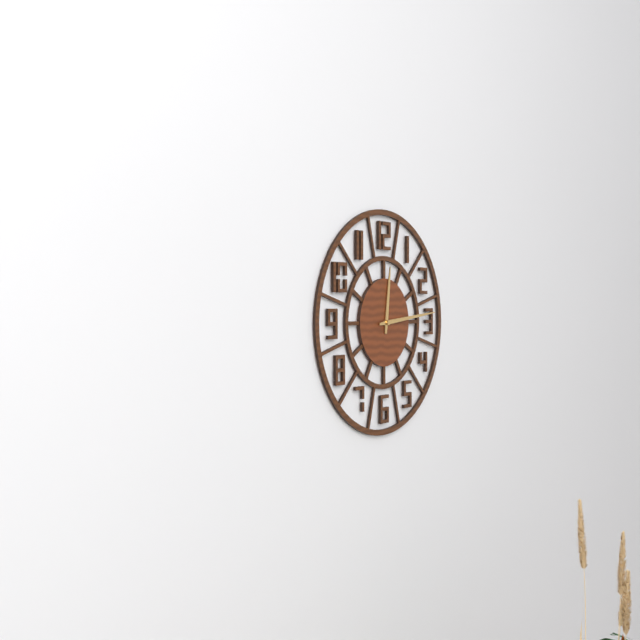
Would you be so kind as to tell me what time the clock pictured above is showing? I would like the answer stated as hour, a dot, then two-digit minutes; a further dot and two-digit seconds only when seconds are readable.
12.14
